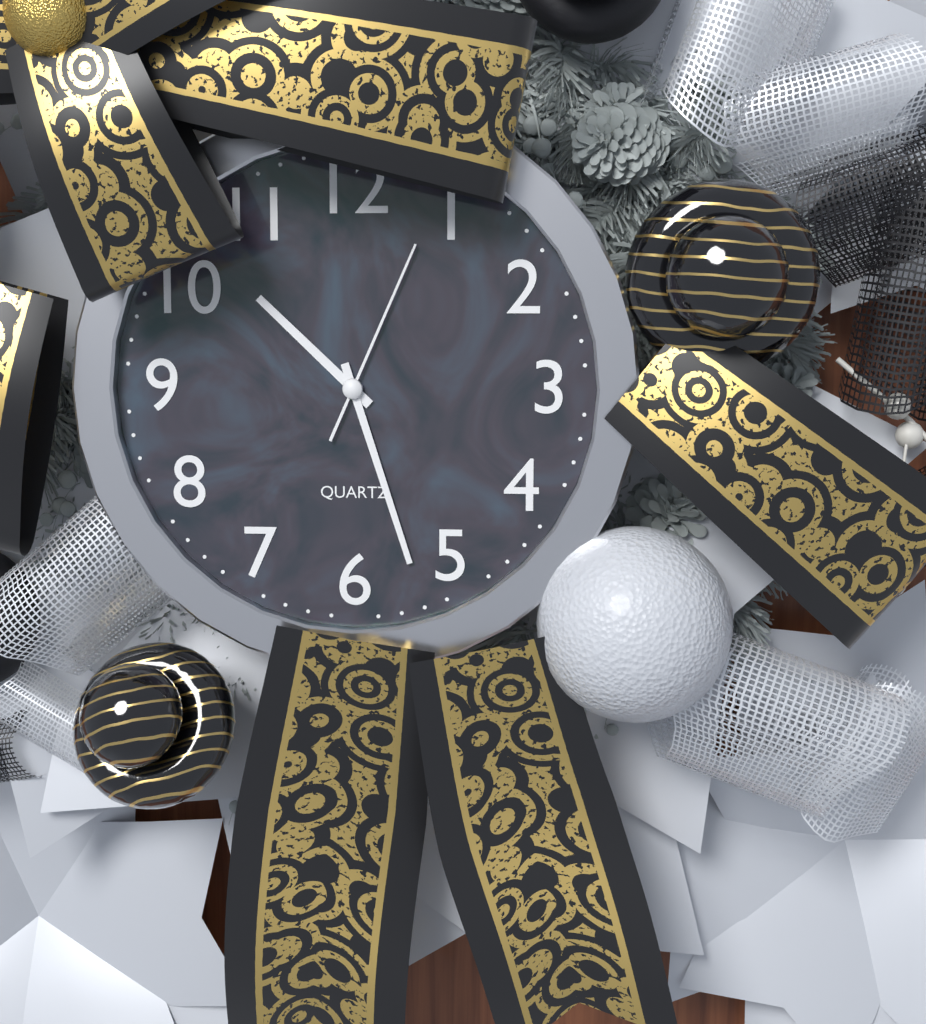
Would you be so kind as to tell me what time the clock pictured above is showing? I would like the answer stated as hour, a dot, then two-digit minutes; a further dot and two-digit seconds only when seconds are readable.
10.27.04
